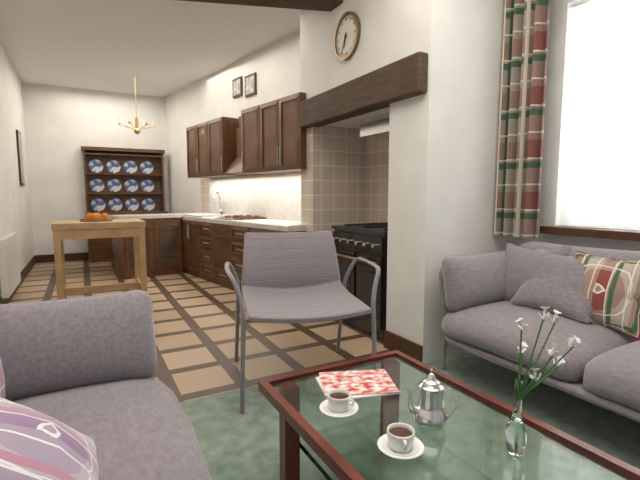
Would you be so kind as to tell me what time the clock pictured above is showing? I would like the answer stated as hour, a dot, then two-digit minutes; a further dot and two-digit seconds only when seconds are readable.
6.34
